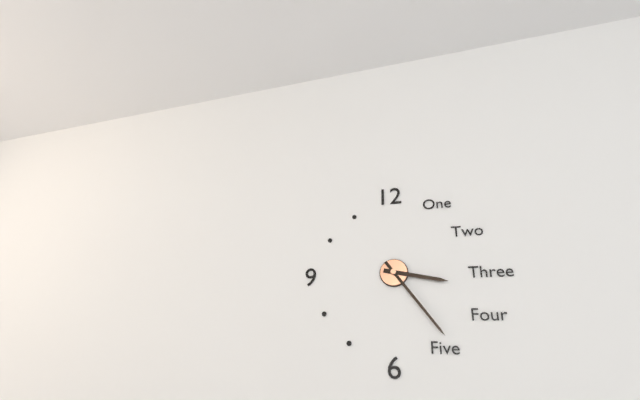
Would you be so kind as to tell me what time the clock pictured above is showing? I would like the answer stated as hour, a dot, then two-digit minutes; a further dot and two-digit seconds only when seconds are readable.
3.24
